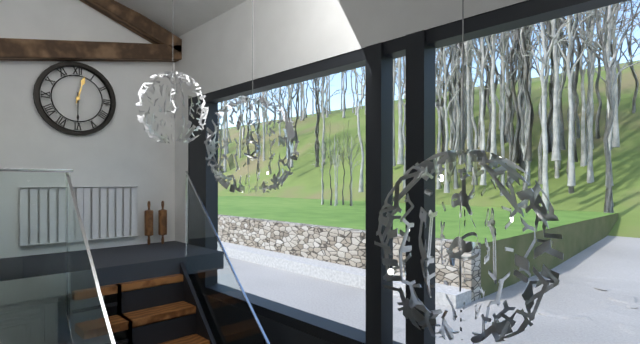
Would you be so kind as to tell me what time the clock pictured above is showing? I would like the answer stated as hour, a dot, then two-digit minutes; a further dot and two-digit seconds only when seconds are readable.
12.30
